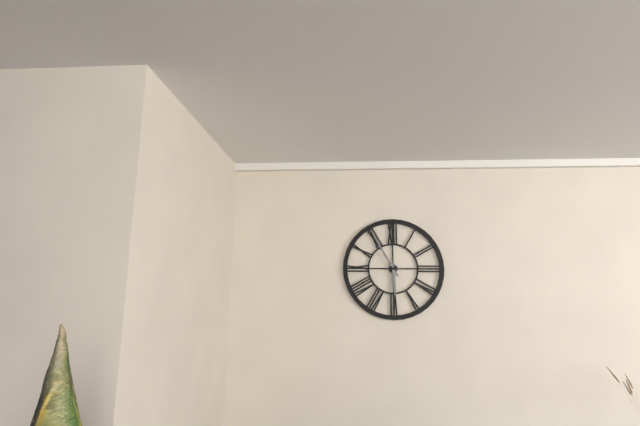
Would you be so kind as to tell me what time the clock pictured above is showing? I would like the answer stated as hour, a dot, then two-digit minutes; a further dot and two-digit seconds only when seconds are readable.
5.55
